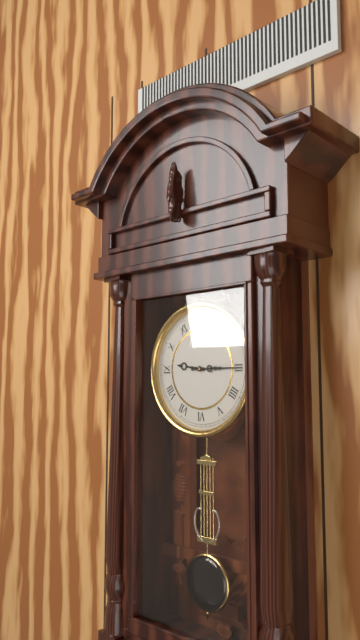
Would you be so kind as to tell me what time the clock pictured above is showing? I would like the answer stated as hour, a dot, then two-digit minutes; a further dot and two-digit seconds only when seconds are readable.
9.15
